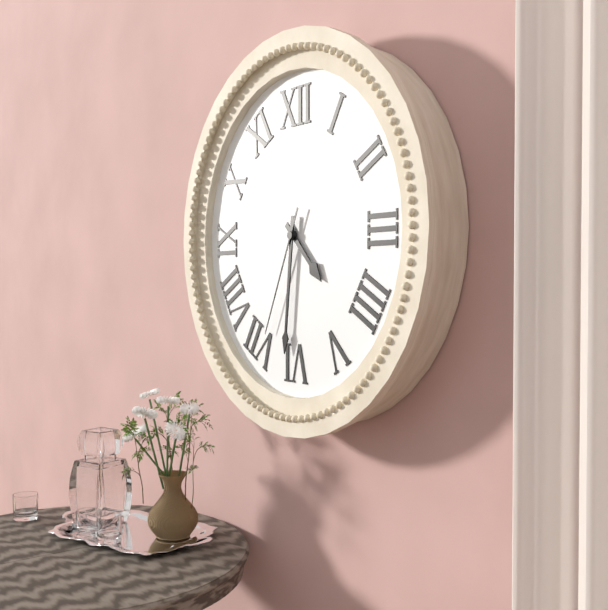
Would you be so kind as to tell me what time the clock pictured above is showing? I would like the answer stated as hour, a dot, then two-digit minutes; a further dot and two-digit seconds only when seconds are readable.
4.31.34
